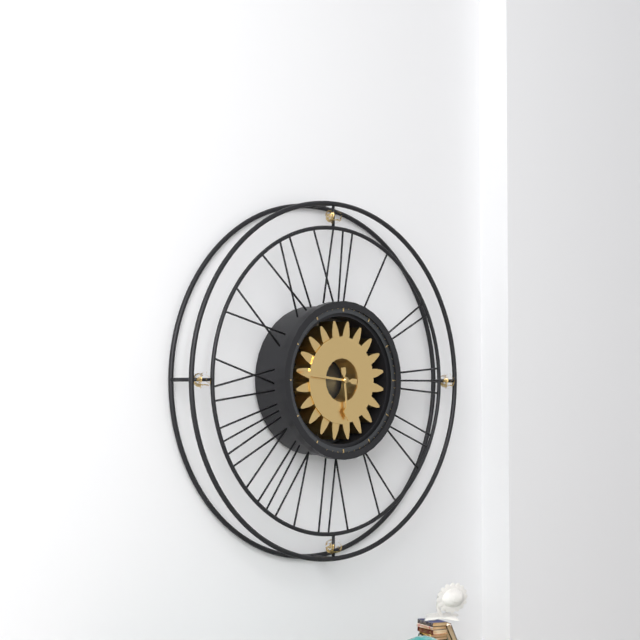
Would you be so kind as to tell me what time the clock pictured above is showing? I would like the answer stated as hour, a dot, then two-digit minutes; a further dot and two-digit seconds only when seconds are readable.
5.46
